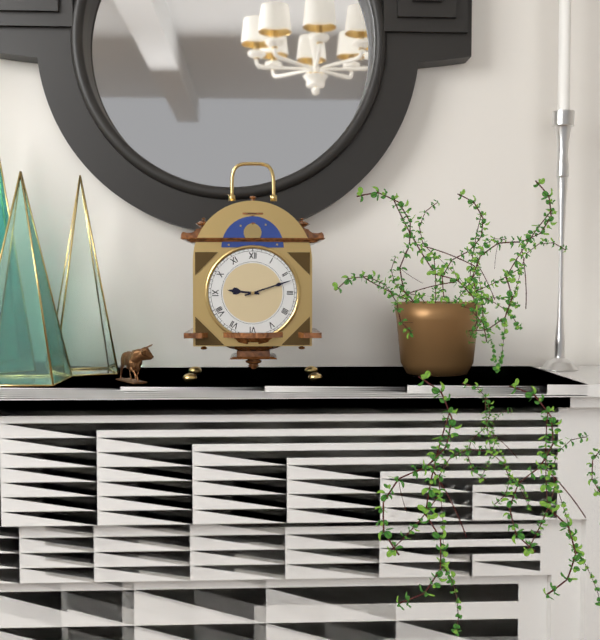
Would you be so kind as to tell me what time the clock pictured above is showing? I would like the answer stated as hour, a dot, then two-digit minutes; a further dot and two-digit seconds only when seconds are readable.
9.12
